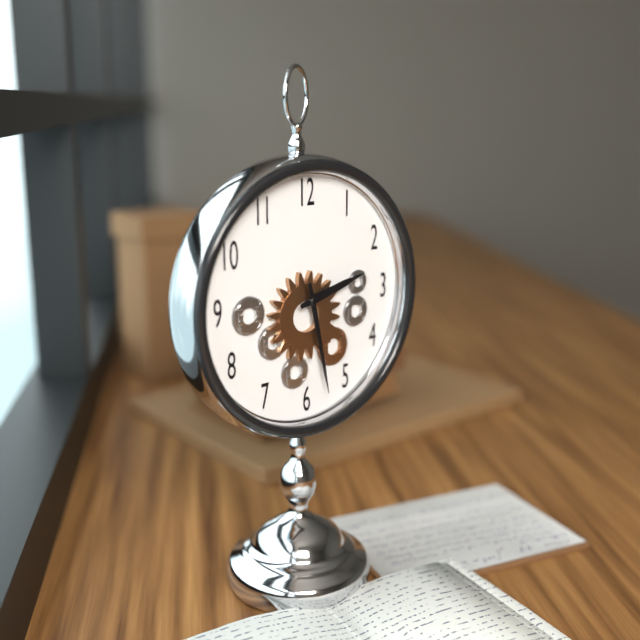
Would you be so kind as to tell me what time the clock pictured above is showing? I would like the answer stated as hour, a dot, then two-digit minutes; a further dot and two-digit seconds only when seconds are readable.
2.28
